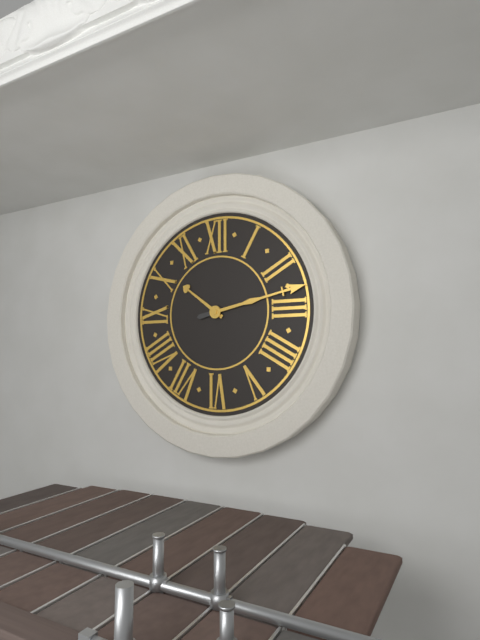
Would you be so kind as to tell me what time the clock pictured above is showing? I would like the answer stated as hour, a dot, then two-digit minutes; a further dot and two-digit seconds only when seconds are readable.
10.13
